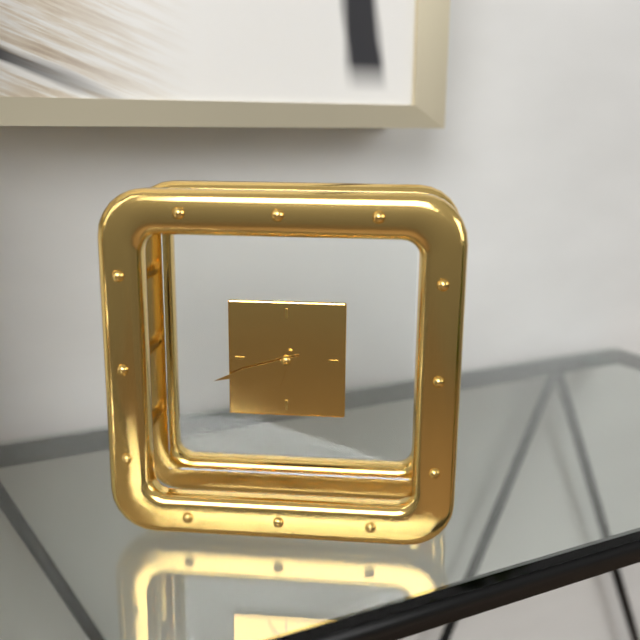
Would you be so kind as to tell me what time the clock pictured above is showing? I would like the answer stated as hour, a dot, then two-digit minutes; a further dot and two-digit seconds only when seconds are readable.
6.42
